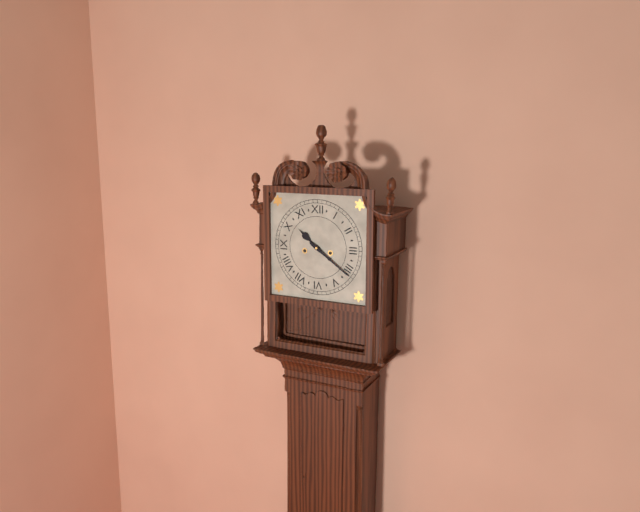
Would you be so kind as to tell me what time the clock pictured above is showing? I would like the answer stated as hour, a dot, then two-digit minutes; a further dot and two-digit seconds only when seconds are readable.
10.21
